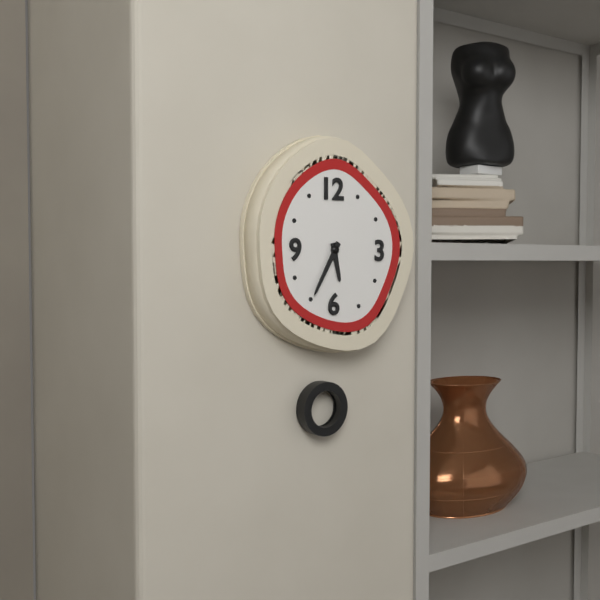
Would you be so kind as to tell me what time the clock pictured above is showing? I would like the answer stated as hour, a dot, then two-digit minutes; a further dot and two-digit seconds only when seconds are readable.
5.35
